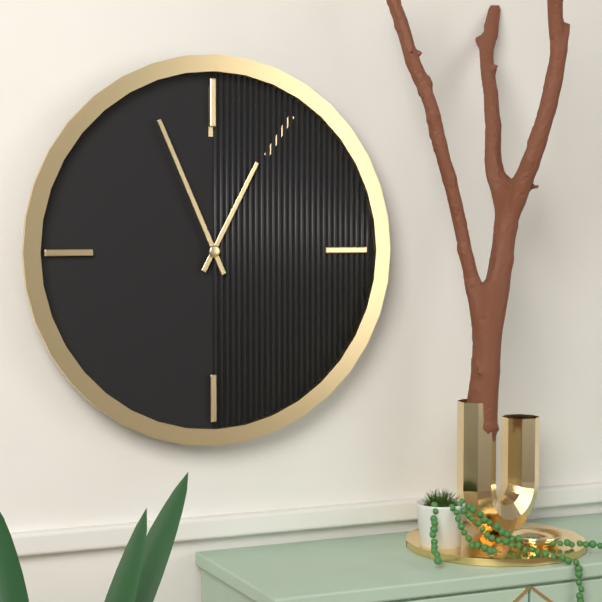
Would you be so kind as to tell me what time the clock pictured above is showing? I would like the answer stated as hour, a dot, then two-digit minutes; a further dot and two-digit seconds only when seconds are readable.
12.56
